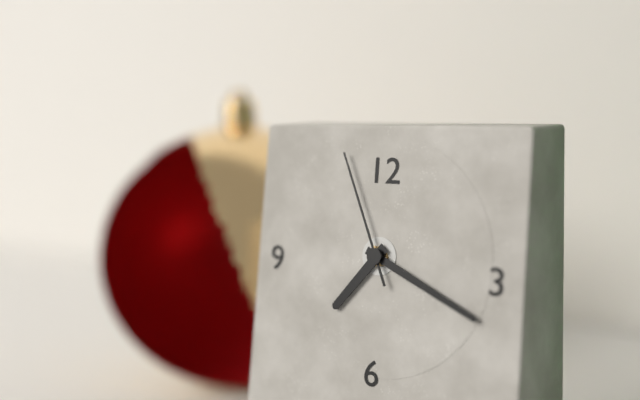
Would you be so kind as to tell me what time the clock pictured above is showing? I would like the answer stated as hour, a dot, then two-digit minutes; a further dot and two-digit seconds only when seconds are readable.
7.19.56
